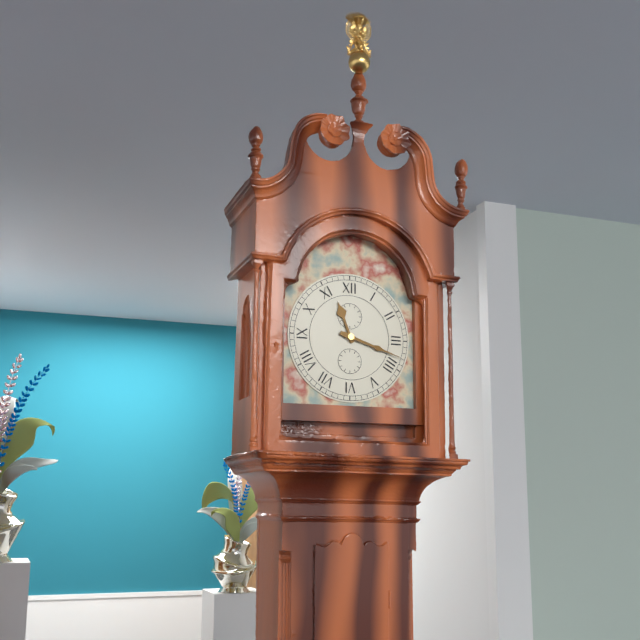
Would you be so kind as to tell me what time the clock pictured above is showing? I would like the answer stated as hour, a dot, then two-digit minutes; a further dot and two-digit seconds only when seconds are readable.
11.18
